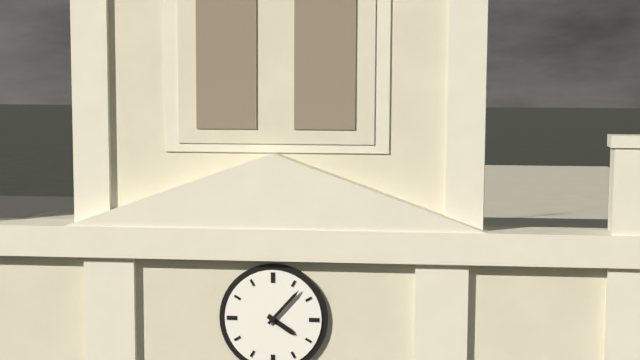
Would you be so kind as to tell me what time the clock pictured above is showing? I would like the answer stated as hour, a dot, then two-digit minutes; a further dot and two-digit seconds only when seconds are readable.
4.07
